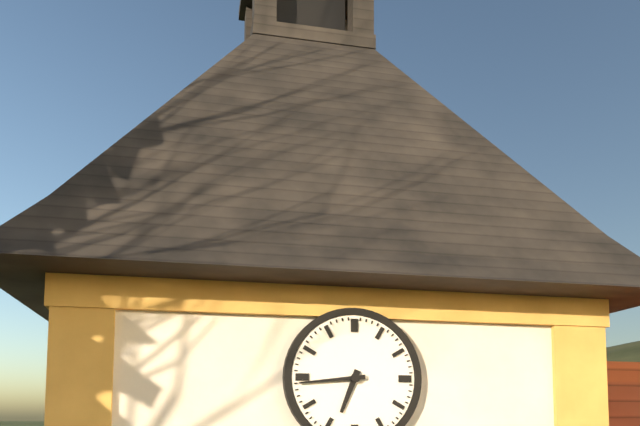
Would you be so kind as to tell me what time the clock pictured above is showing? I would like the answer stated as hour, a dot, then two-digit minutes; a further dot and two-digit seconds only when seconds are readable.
6.44
